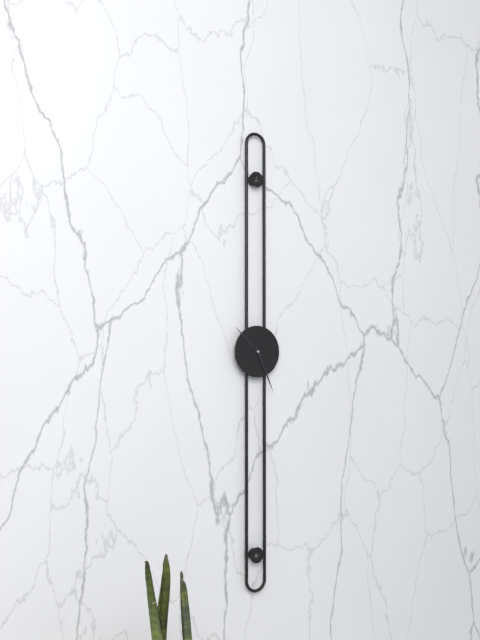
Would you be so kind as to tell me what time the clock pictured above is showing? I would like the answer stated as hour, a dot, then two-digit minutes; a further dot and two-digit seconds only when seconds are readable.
10.26
